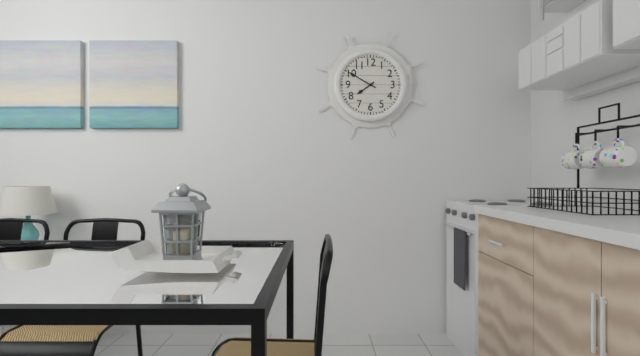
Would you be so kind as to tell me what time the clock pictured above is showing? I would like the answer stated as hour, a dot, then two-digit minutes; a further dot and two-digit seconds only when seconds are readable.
7.50
